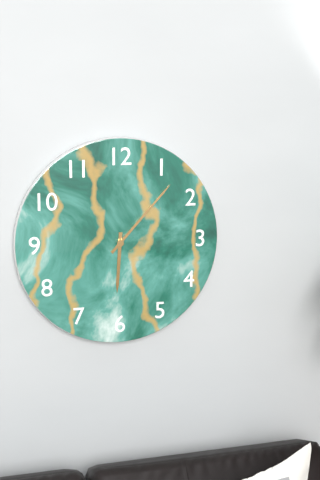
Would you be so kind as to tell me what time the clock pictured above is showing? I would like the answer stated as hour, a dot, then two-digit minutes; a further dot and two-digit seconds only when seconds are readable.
6.07
